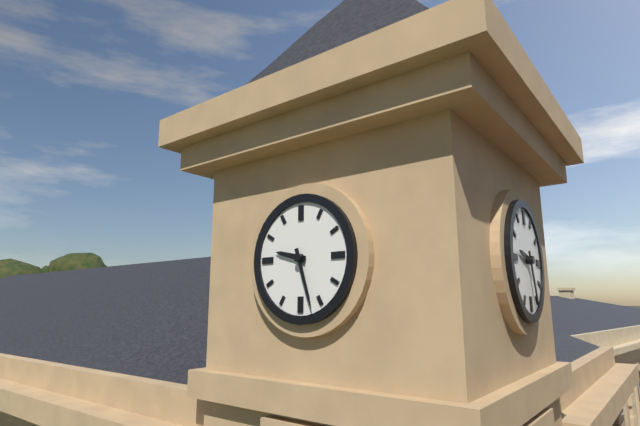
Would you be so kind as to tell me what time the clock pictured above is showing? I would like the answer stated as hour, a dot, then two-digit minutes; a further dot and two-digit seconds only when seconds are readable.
9.27
